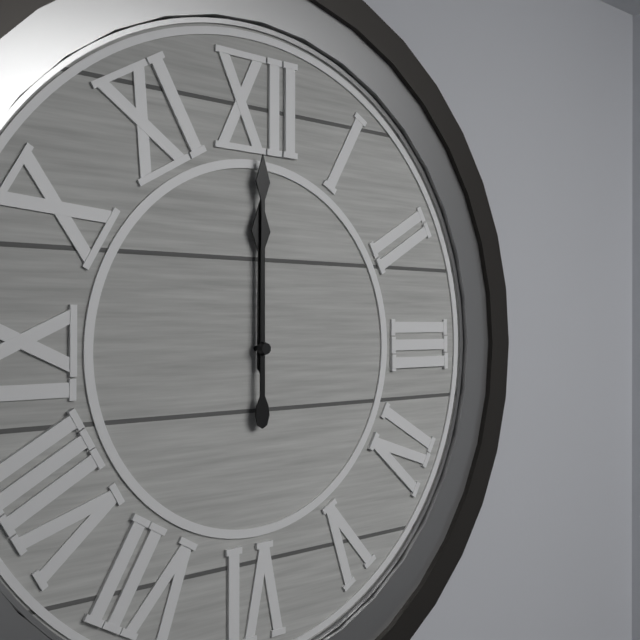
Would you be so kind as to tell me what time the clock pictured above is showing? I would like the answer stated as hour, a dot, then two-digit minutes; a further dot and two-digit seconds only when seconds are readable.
12.00
